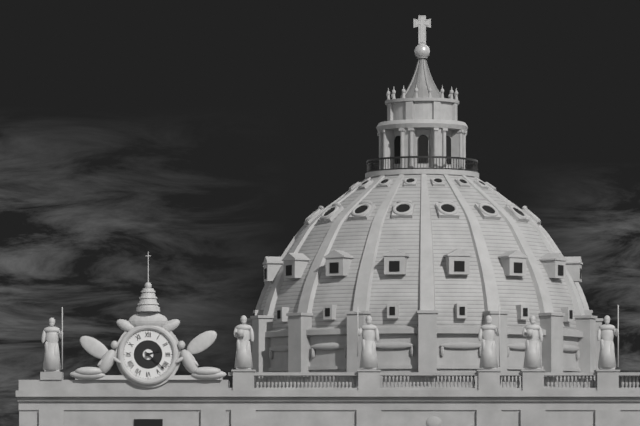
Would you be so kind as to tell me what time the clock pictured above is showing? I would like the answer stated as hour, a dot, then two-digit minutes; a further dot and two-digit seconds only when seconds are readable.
2.22
